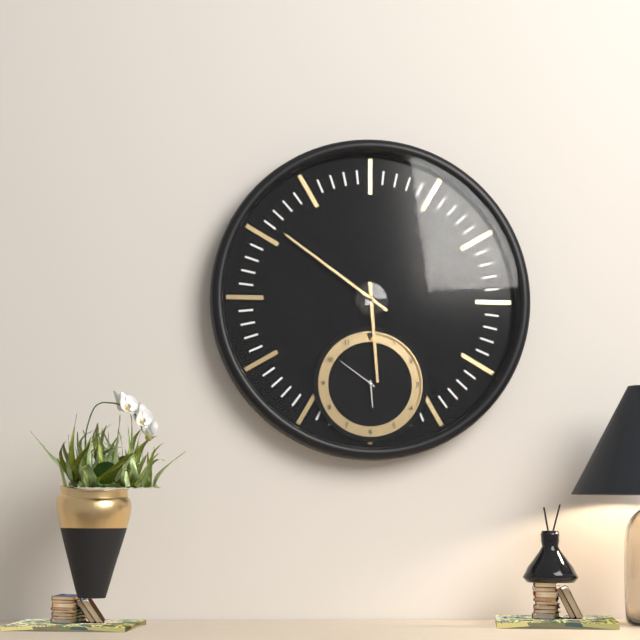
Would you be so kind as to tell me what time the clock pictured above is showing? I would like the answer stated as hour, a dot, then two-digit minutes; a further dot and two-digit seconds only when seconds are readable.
5.51
